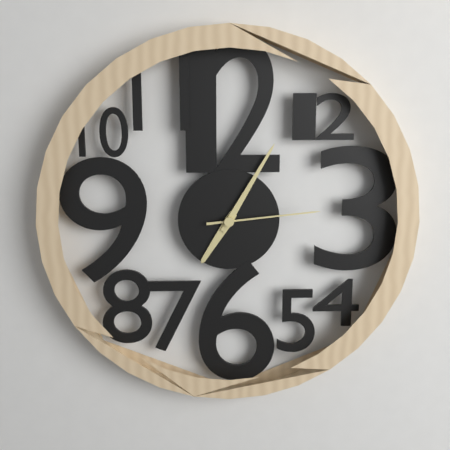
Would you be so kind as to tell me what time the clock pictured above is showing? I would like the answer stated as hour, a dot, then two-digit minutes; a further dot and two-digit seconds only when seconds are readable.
7.05.14
